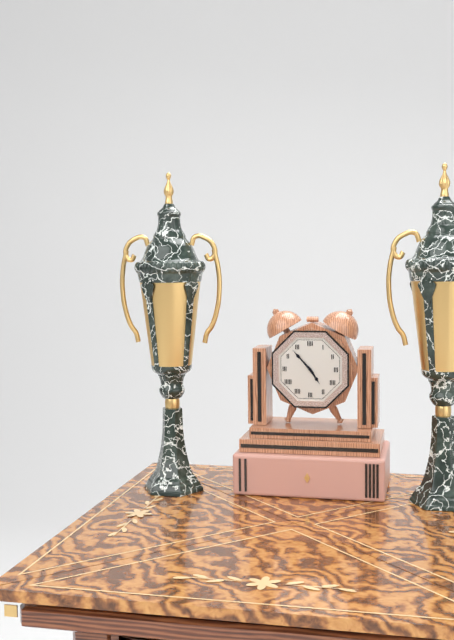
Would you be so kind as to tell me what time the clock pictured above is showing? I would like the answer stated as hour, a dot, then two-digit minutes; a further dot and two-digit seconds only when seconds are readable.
4.53
